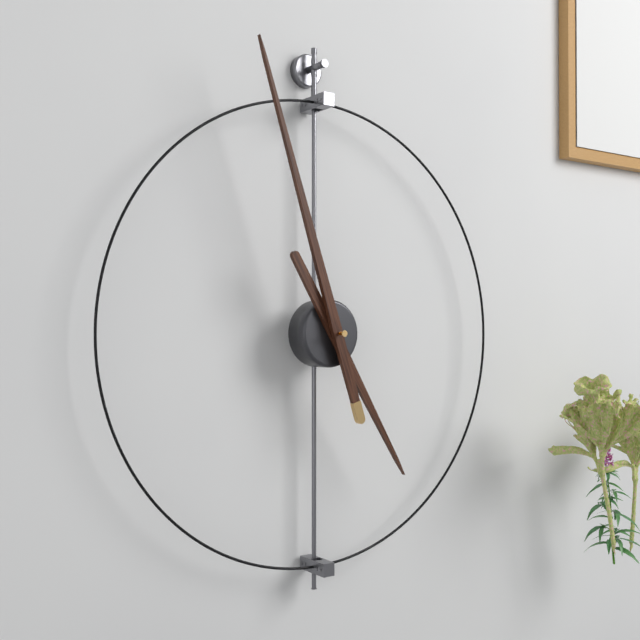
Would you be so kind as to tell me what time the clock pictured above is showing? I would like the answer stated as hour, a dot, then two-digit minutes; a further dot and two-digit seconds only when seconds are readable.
4.57
